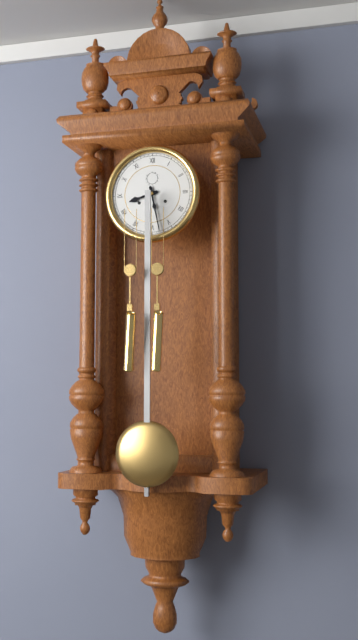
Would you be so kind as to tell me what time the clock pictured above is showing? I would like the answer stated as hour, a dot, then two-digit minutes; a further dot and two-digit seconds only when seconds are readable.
8.28
